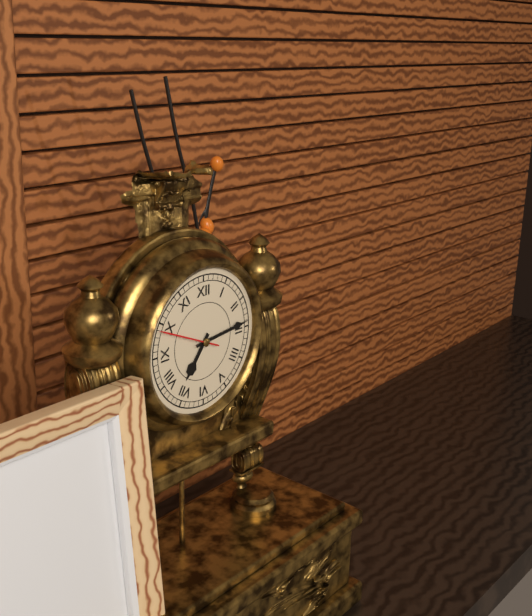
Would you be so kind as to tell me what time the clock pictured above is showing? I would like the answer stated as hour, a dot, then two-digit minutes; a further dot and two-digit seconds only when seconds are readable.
7.14.49
